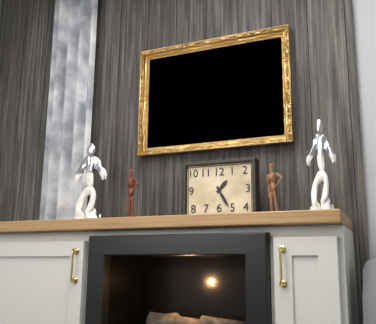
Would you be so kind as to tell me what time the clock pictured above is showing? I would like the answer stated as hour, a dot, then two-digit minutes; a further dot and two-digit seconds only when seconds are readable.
1.25
